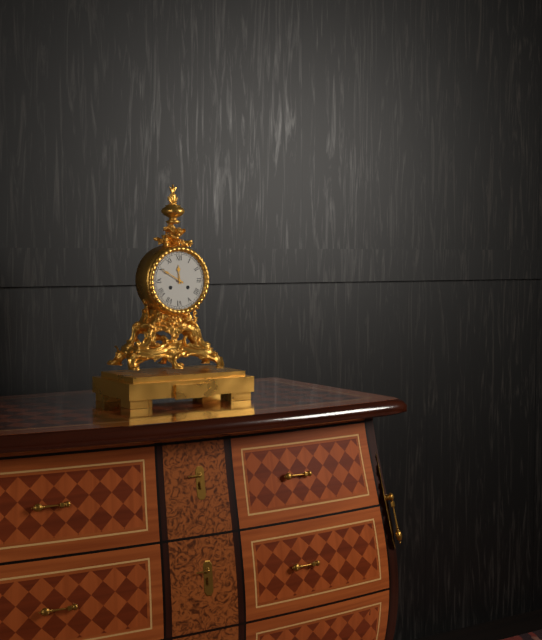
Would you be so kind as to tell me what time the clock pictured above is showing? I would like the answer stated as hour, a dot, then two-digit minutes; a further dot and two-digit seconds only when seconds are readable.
11.50
